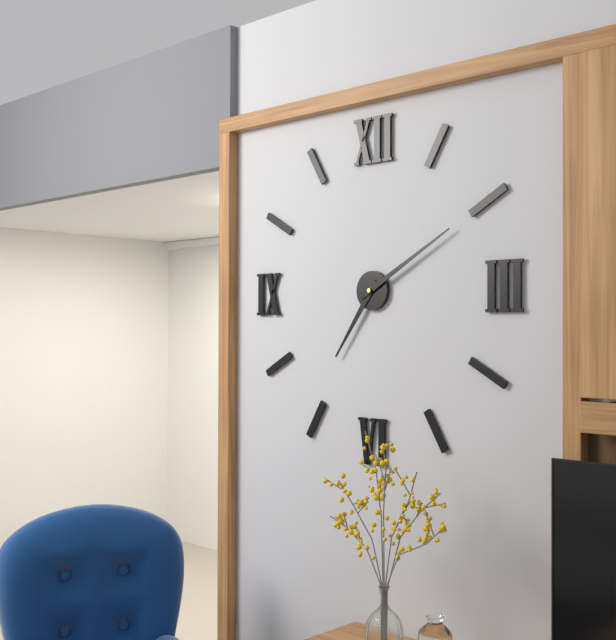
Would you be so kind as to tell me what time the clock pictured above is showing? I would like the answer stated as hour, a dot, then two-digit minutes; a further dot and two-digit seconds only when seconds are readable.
7.10
